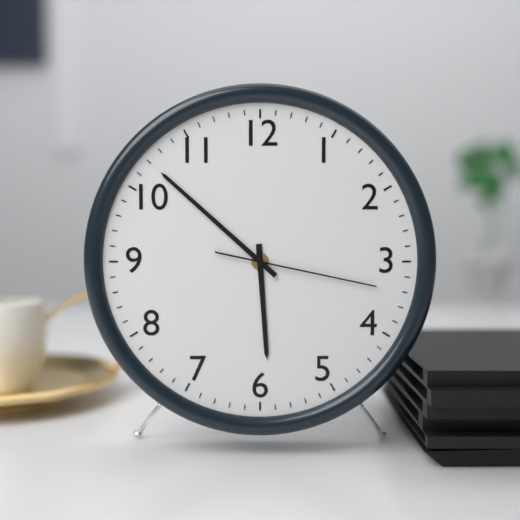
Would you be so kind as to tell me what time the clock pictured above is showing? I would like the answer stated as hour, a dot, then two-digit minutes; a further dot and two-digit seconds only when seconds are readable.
5.52.17
